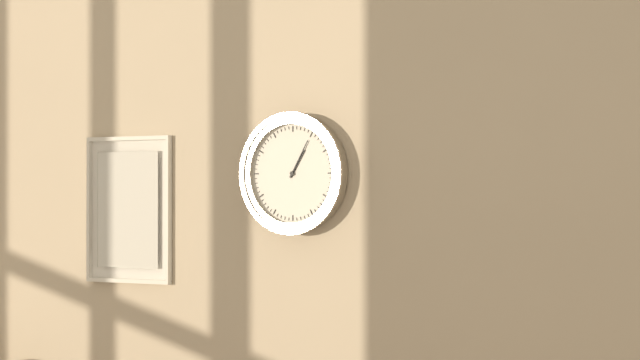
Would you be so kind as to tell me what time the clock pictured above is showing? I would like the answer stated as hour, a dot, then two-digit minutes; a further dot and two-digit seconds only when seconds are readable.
1.05
